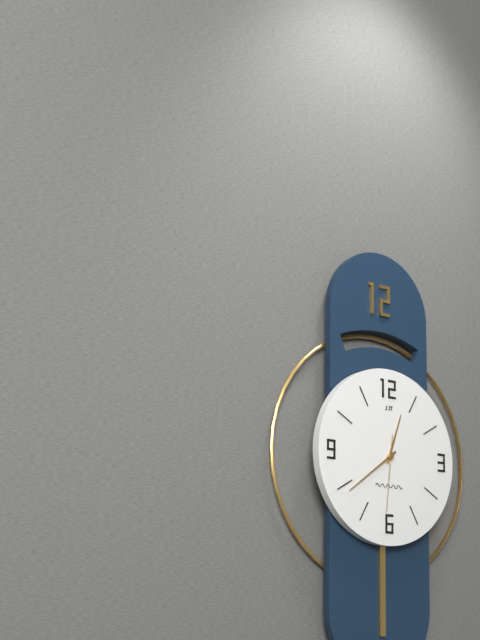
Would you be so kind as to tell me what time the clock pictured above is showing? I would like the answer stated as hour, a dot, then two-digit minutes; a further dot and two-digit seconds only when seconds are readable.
12.39.31
